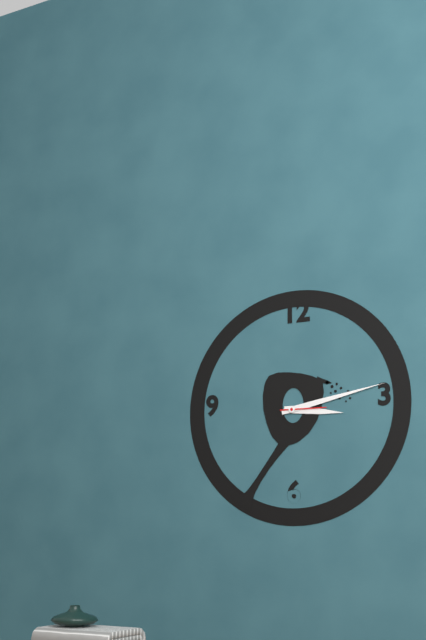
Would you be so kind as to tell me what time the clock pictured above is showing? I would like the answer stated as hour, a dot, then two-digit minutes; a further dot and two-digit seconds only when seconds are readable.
3.13
